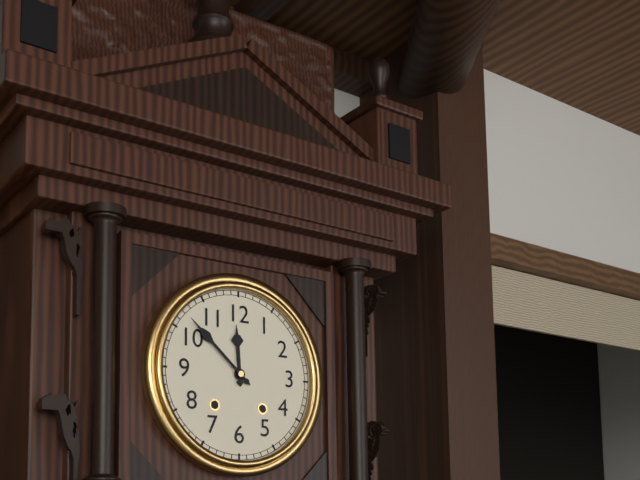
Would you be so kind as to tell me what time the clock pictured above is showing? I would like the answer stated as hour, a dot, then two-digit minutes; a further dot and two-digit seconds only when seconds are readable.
11.52
